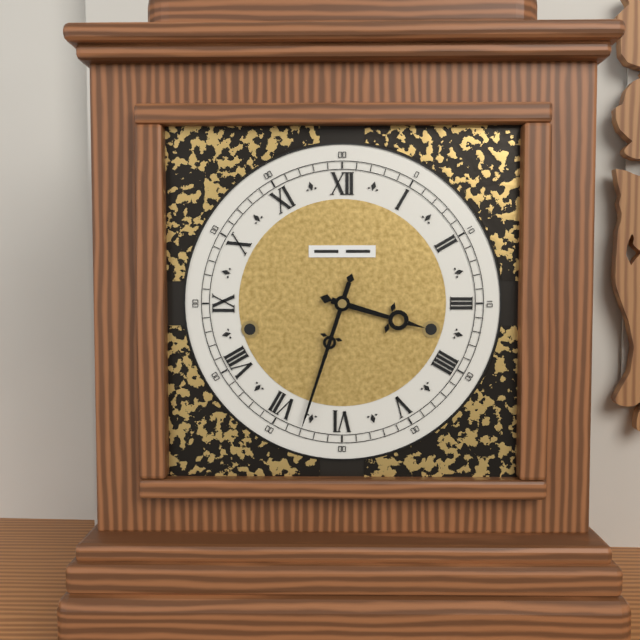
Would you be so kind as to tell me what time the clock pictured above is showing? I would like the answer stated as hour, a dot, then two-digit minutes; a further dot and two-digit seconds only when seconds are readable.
3.33
